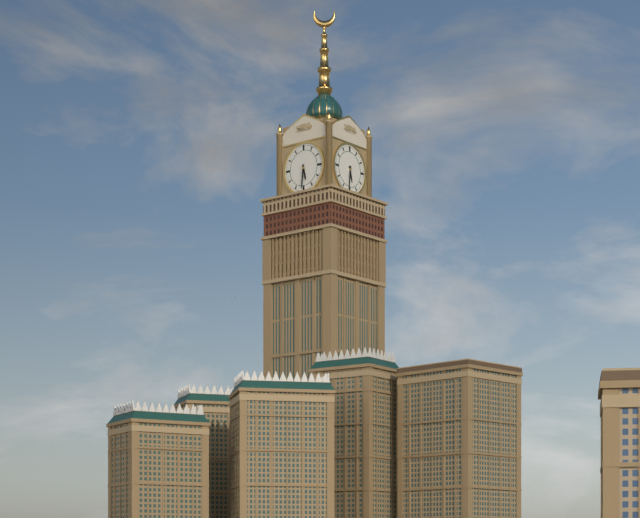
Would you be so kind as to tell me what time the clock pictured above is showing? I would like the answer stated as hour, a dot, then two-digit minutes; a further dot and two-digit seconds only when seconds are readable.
5.31
